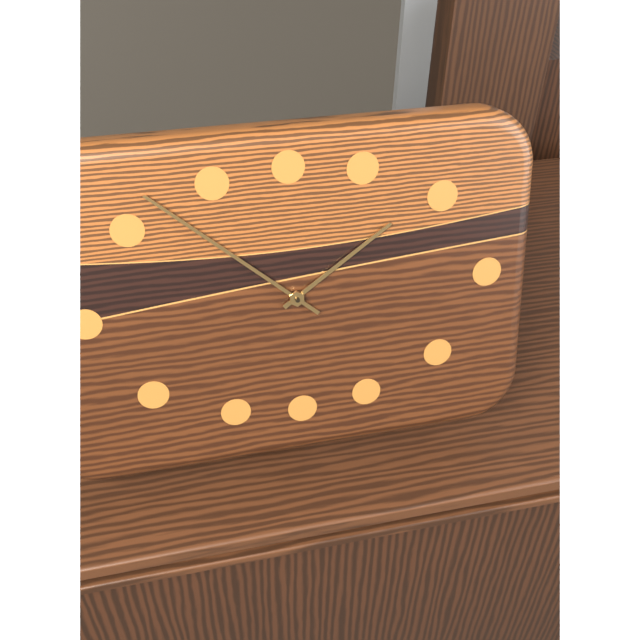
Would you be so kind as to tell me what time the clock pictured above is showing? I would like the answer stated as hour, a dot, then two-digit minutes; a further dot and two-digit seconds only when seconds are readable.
1.52
